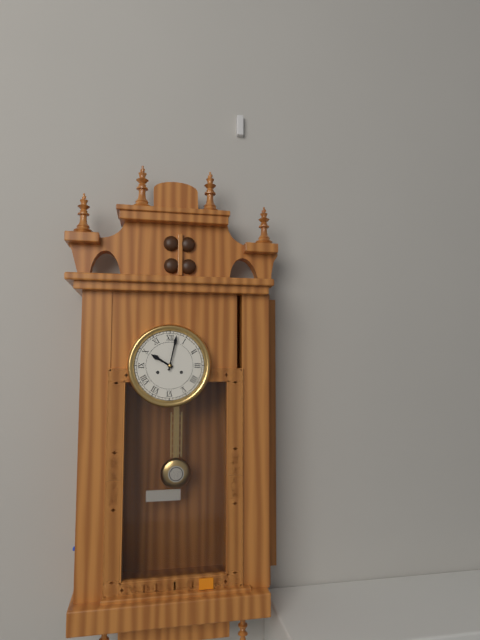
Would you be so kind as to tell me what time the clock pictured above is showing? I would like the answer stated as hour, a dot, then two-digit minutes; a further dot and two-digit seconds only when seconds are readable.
10.02
